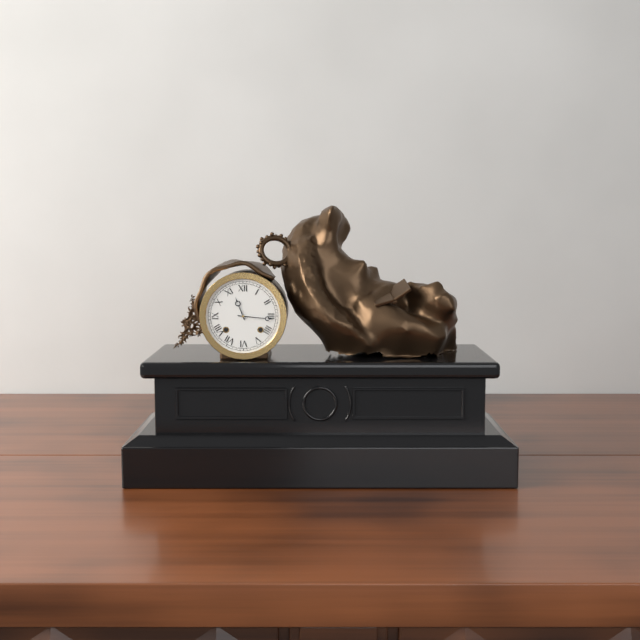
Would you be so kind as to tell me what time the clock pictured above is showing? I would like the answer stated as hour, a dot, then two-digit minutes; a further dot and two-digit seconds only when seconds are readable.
11.16
